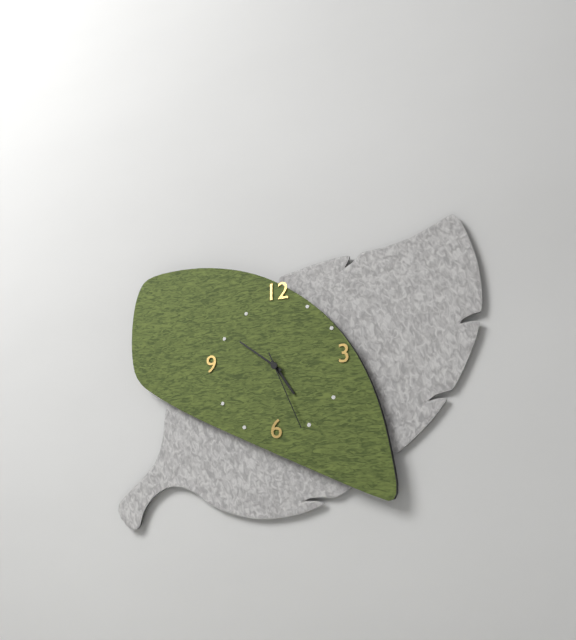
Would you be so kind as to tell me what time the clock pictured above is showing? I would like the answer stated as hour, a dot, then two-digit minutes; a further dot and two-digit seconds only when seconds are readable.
4.51.26
